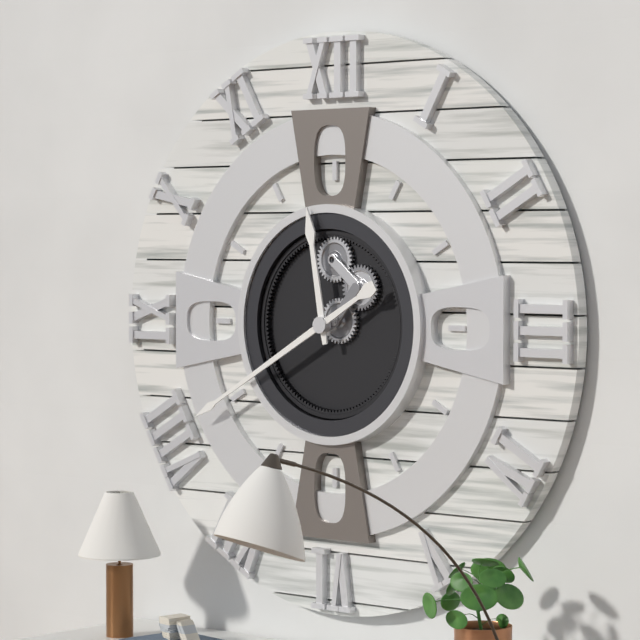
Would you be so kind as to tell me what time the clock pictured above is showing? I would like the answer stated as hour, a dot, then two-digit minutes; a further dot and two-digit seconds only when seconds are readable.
11.40
